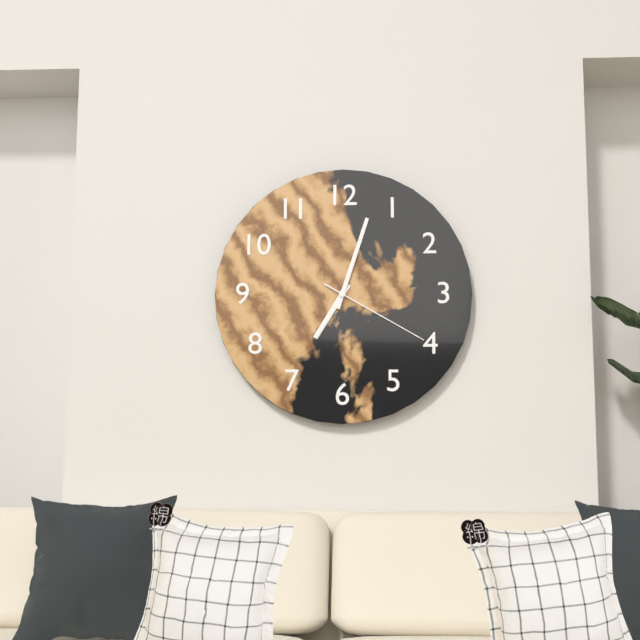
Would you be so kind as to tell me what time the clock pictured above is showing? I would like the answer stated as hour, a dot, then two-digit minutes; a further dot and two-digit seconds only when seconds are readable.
7.03.20
